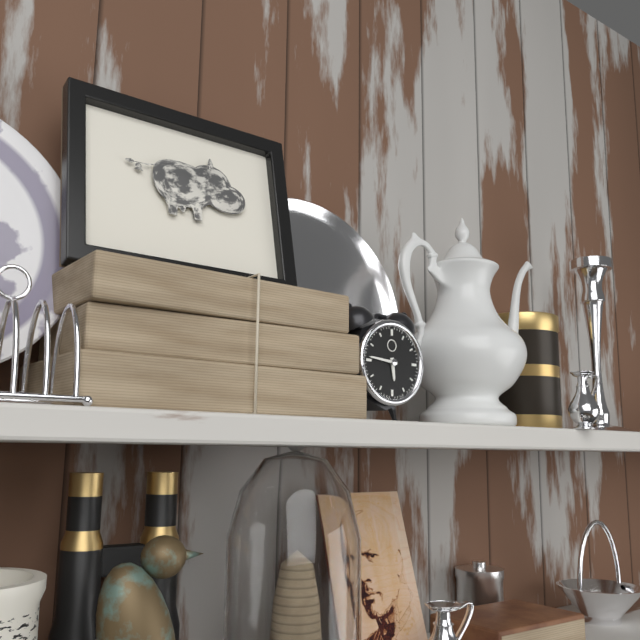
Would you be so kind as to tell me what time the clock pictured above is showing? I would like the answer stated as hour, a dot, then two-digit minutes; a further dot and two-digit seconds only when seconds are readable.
5.46
